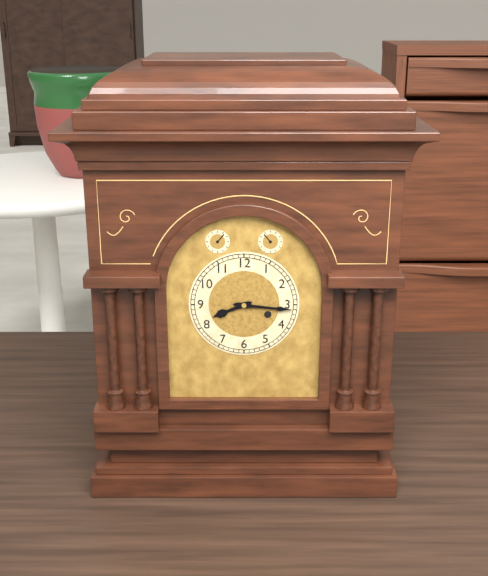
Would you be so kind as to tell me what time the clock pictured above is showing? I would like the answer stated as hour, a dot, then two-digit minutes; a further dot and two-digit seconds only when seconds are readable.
8.16
